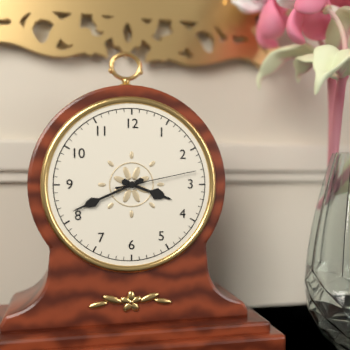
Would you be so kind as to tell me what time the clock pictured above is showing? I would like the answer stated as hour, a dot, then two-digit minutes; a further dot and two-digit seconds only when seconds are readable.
3.41.13
